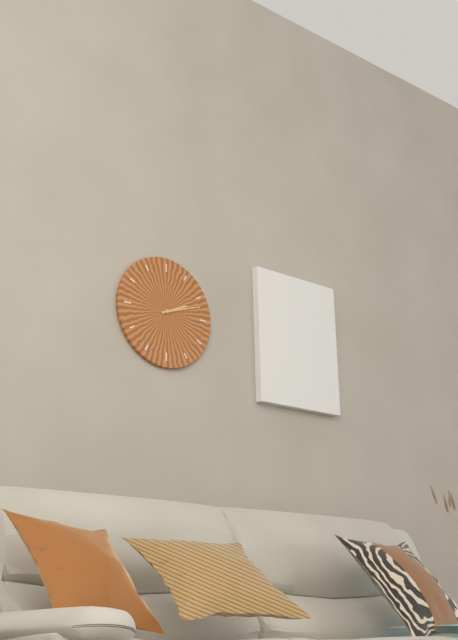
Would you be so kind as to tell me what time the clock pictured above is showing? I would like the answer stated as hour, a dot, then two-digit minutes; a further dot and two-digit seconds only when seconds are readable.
2.12
